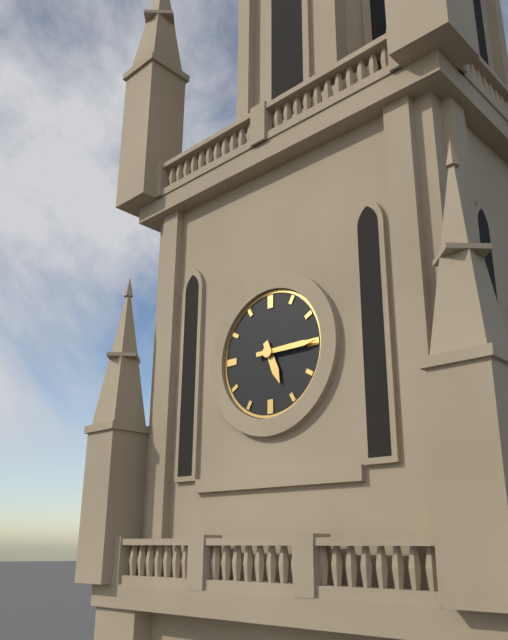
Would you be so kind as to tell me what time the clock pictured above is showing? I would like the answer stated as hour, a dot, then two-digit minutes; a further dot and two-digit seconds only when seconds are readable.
5.15
